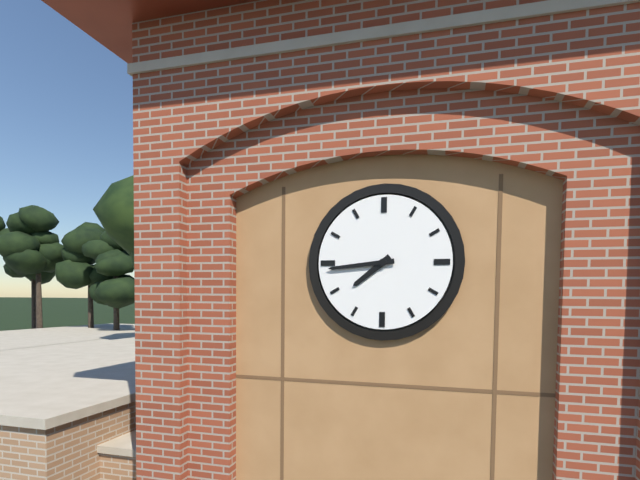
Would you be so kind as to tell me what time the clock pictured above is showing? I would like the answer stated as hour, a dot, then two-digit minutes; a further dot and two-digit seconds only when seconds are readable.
7.44
